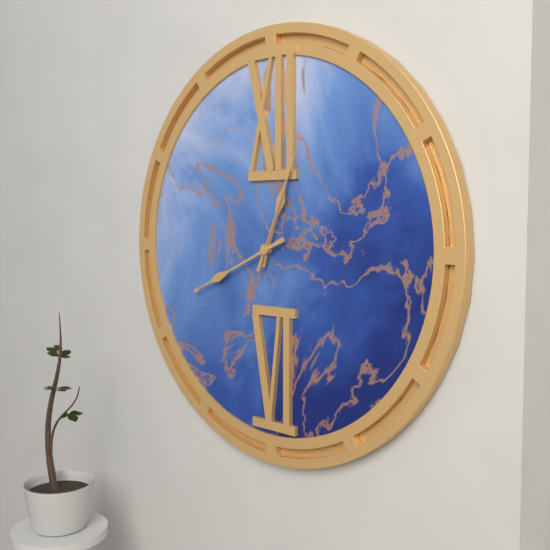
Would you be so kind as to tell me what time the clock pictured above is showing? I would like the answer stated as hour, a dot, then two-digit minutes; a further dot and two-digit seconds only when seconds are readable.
12.41.04
